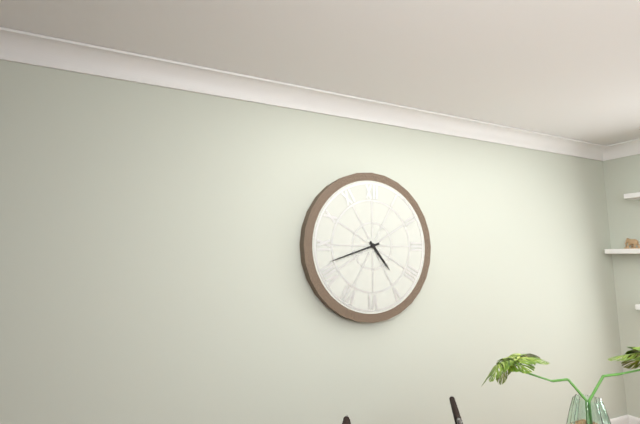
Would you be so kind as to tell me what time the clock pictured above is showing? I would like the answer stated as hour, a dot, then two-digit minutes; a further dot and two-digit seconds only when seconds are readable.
4.42
